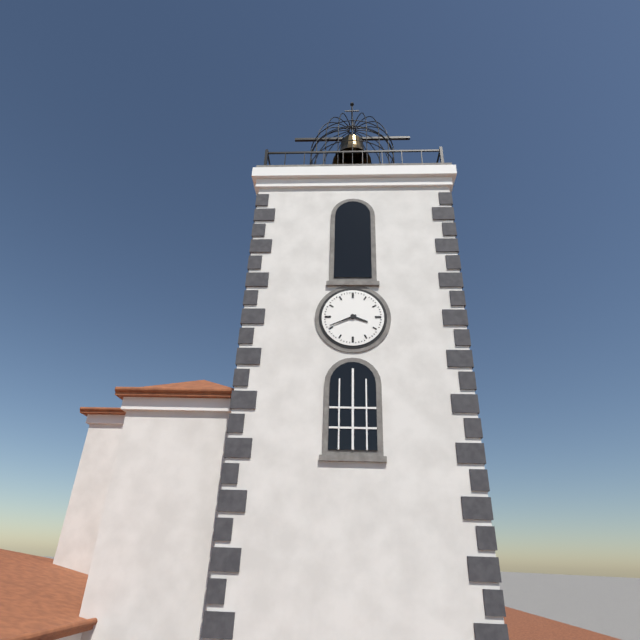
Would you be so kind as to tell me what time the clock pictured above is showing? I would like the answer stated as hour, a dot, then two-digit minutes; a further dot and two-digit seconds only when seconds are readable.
3.41
